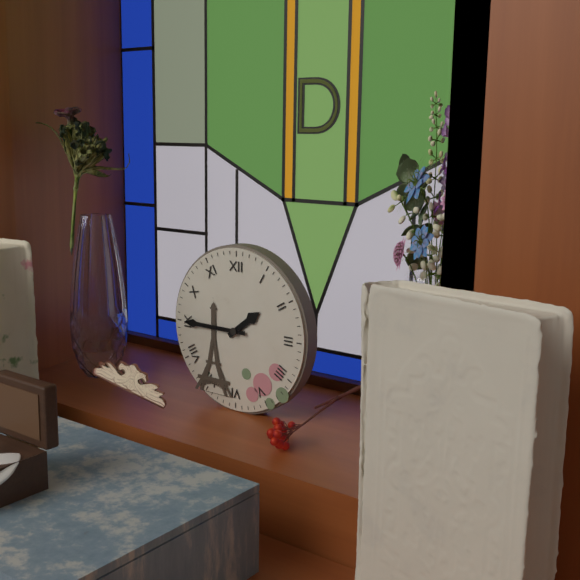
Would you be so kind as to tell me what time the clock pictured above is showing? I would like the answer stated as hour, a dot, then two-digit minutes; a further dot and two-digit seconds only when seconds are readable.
1.45
